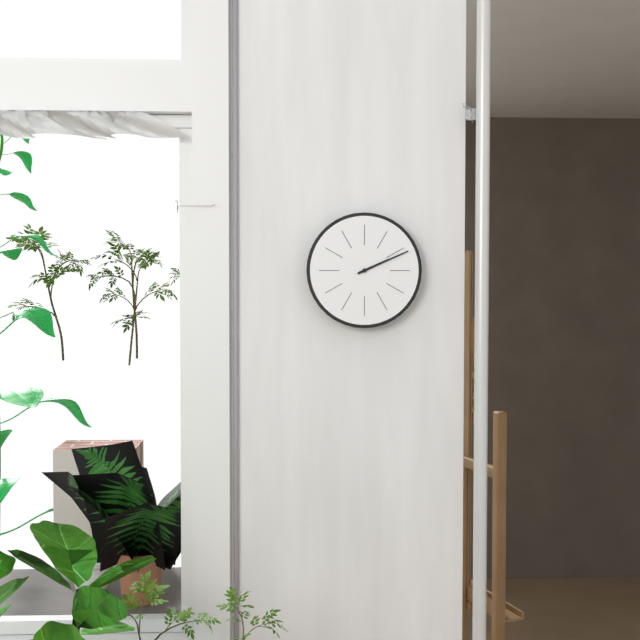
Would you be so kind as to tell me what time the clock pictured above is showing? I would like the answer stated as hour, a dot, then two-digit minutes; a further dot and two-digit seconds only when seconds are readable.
2.11
